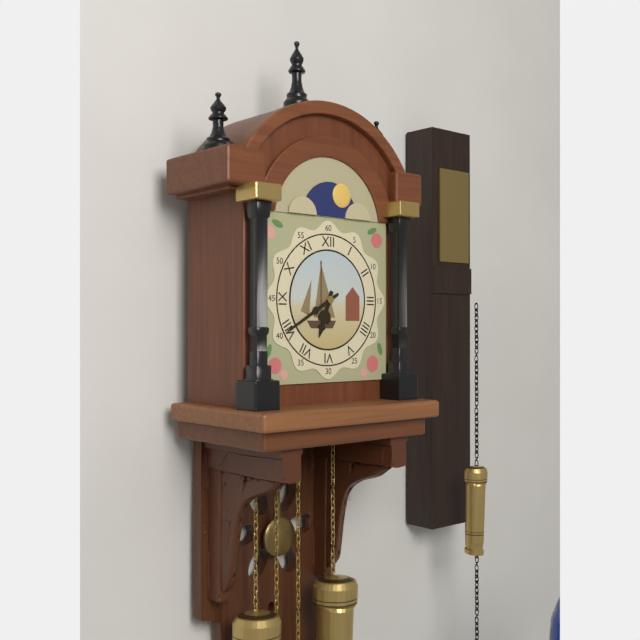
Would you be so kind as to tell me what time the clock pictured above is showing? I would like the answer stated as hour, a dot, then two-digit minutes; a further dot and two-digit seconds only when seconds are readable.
6.40
